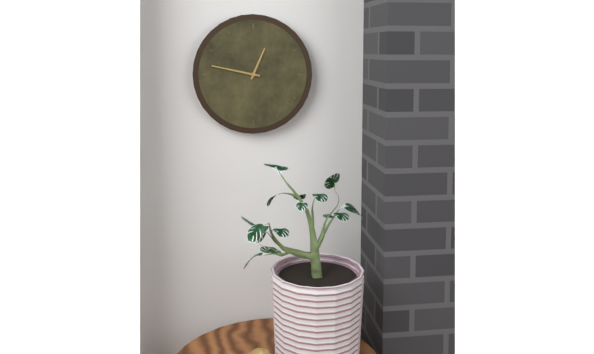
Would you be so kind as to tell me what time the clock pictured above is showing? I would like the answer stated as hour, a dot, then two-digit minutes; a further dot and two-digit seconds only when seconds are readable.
12.47
